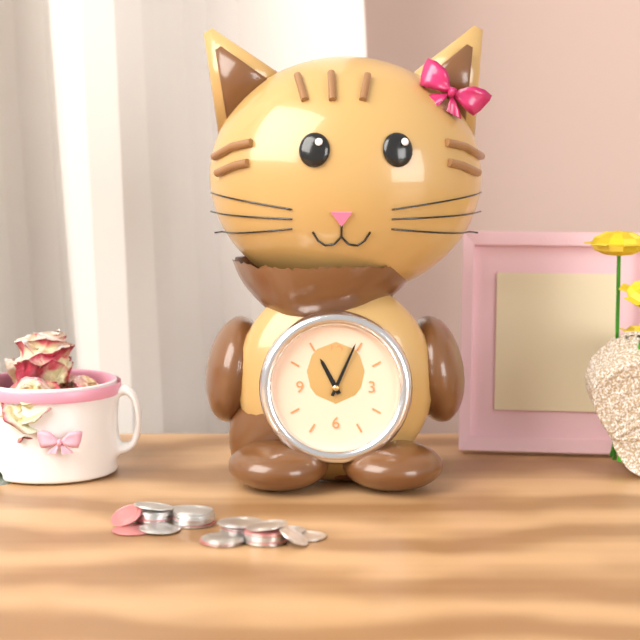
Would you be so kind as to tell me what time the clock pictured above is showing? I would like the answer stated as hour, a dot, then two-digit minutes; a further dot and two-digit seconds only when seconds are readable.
11.04
